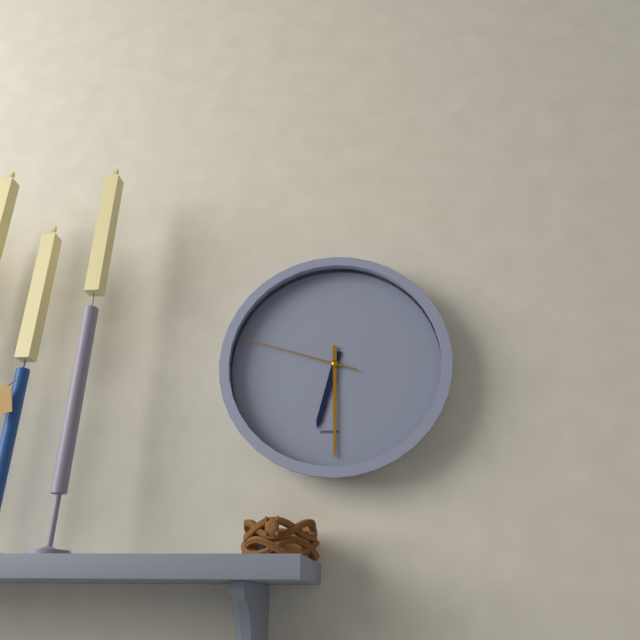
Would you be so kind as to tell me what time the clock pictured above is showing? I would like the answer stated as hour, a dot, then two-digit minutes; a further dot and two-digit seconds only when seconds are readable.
6.30.48
